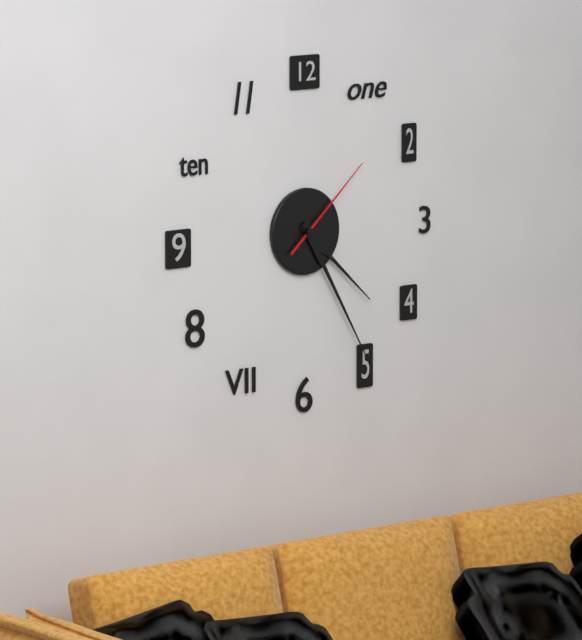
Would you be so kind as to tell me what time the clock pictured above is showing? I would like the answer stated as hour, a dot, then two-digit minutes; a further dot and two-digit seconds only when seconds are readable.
4.25.08
